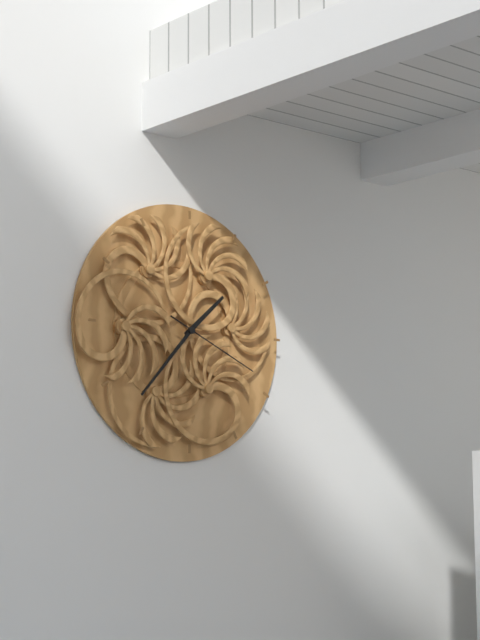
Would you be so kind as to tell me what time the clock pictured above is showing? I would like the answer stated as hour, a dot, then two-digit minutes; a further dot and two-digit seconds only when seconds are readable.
1.37.19
